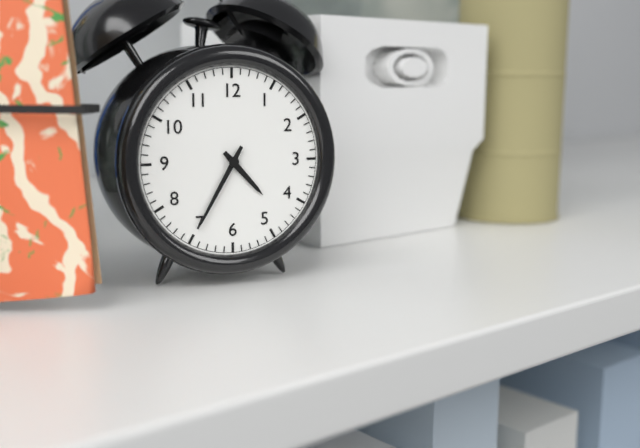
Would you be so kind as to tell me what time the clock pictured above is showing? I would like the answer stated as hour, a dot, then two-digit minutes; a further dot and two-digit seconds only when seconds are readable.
4.35
